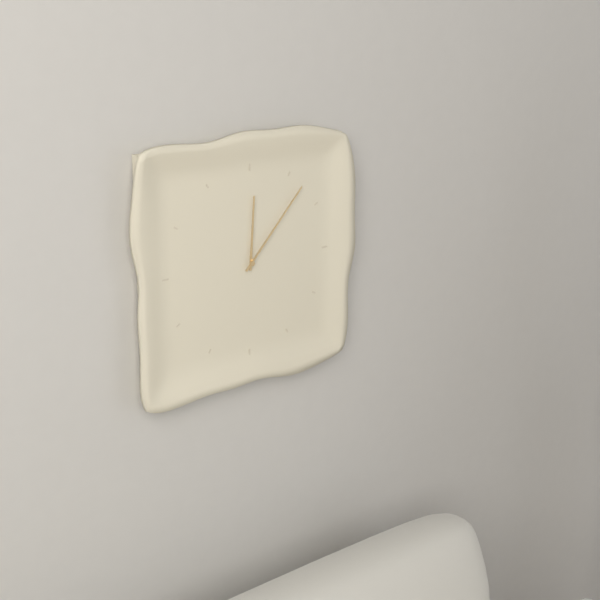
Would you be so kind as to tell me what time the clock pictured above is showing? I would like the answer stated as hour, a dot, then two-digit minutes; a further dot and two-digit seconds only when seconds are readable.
12.07
